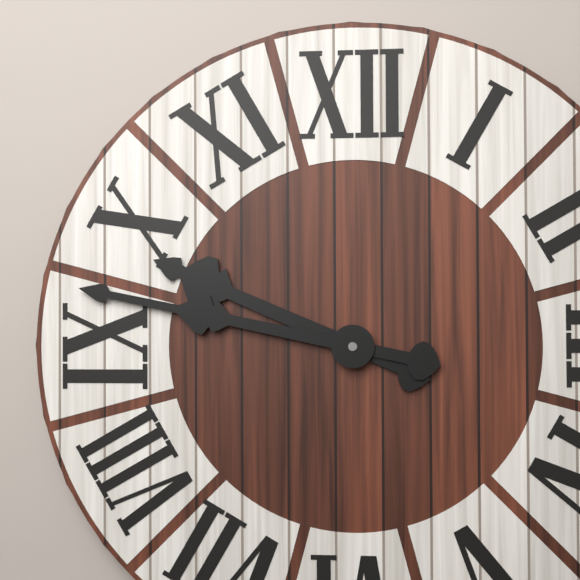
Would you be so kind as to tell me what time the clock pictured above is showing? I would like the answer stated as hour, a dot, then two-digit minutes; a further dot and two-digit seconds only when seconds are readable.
9.47
